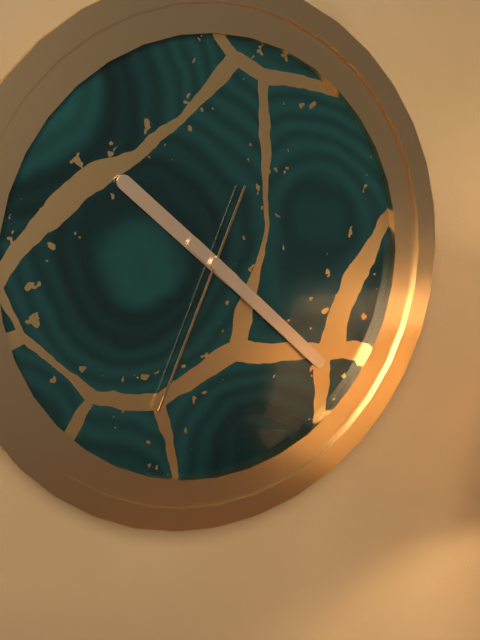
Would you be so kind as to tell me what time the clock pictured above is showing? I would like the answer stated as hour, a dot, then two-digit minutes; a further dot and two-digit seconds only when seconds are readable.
10.22.34
